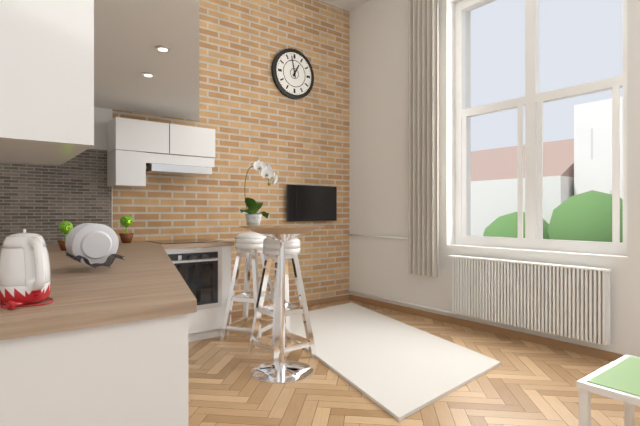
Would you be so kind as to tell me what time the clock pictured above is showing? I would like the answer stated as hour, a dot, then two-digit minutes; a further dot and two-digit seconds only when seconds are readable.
12.58
